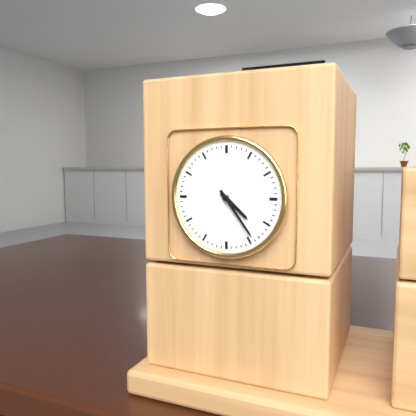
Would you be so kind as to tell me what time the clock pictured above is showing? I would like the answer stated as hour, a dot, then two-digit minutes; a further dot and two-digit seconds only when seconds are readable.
4.24
